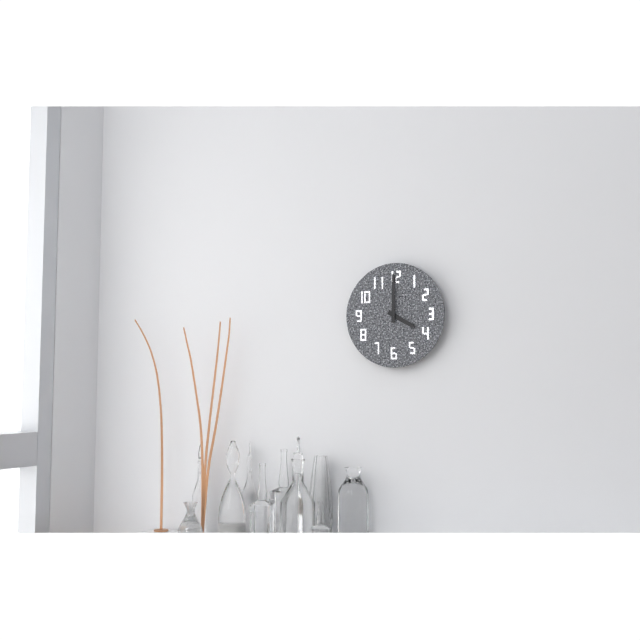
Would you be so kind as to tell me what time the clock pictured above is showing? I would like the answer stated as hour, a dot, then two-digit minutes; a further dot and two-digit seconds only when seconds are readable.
4.00
